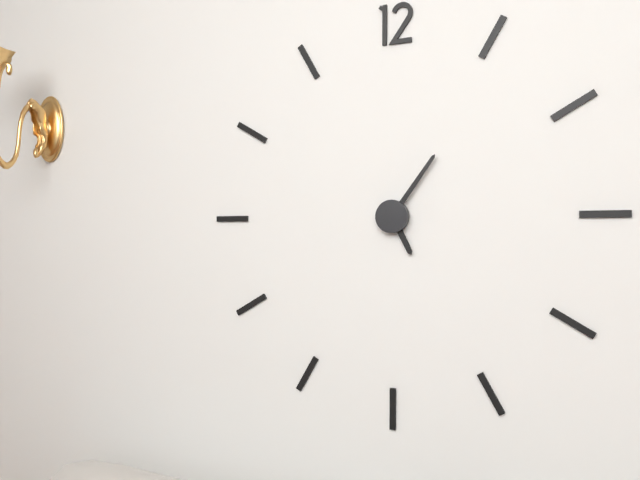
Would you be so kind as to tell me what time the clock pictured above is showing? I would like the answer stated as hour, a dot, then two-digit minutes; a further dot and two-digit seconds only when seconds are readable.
5.06
